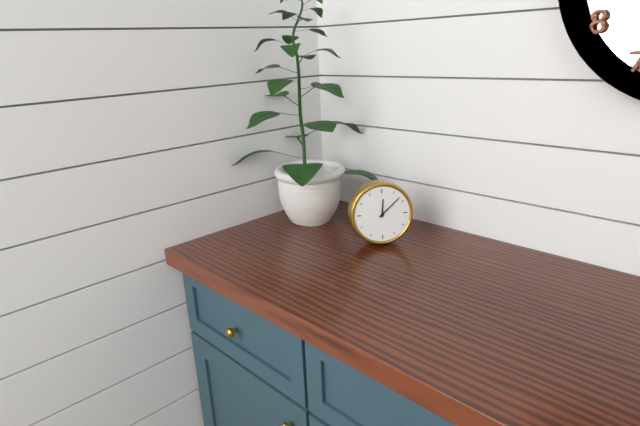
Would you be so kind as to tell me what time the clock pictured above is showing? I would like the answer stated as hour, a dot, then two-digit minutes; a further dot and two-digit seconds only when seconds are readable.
12.08
